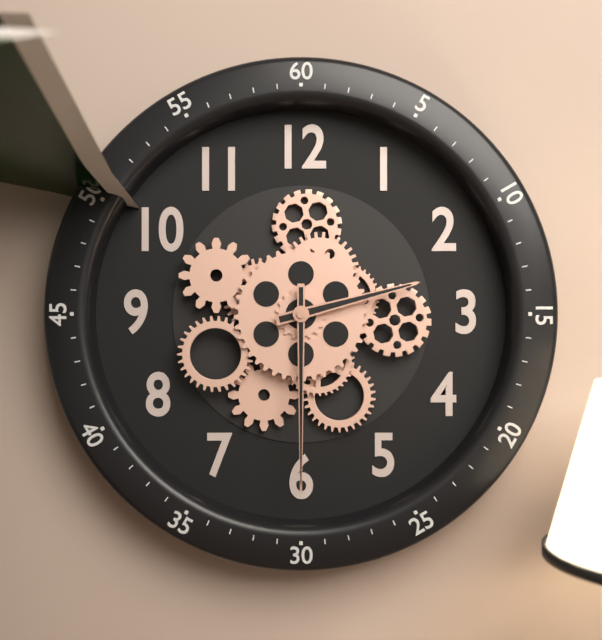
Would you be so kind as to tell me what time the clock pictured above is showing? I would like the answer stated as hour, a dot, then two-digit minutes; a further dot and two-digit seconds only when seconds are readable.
2.30
